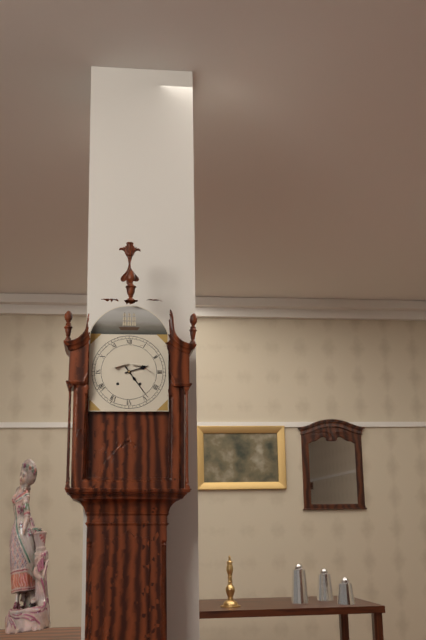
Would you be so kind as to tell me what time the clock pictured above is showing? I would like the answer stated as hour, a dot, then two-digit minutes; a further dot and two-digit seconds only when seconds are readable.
2.24
